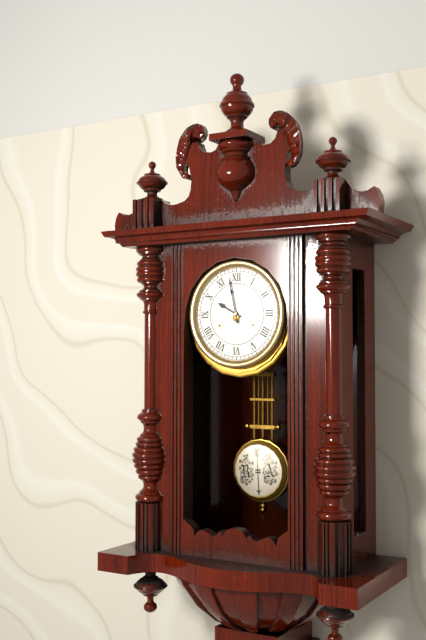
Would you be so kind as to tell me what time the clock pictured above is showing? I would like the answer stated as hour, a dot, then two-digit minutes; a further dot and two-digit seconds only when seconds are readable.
9.58
